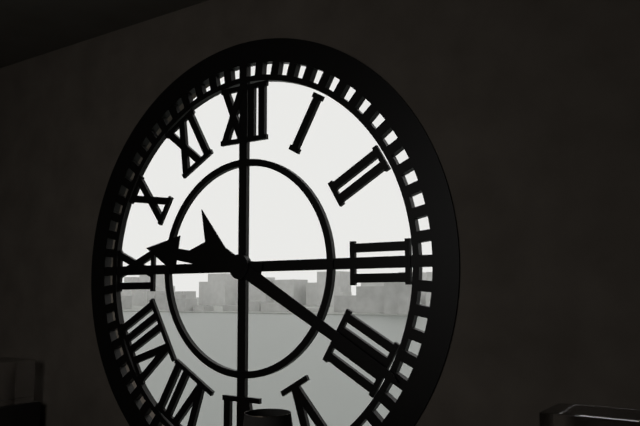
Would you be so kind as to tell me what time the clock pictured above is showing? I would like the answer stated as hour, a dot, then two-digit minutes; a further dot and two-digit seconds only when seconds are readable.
9.20
